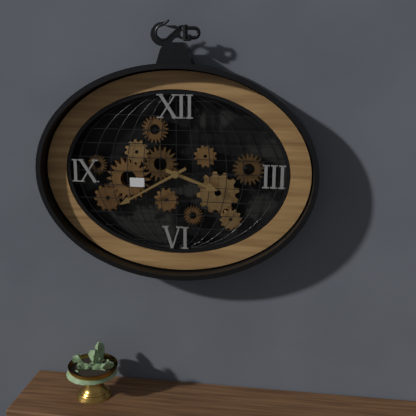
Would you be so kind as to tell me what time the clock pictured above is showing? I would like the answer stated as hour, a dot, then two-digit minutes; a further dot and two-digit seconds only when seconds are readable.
3.40
